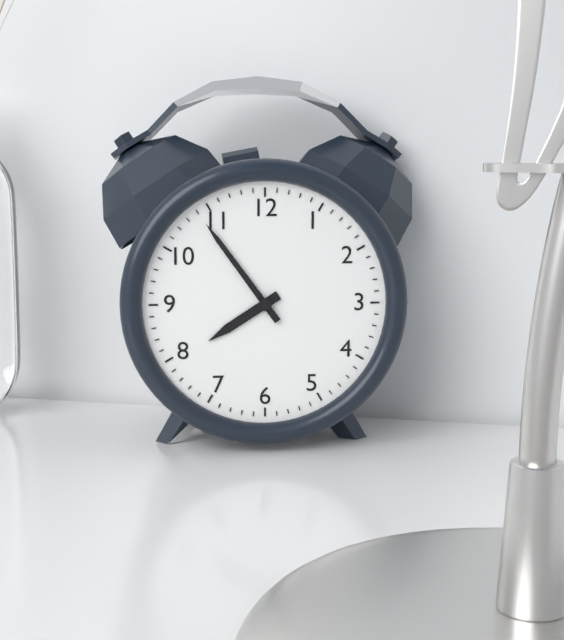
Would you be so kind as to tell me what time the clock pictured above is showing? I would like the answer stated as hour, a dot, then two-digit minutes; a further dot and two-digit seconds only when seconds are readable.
7.54
